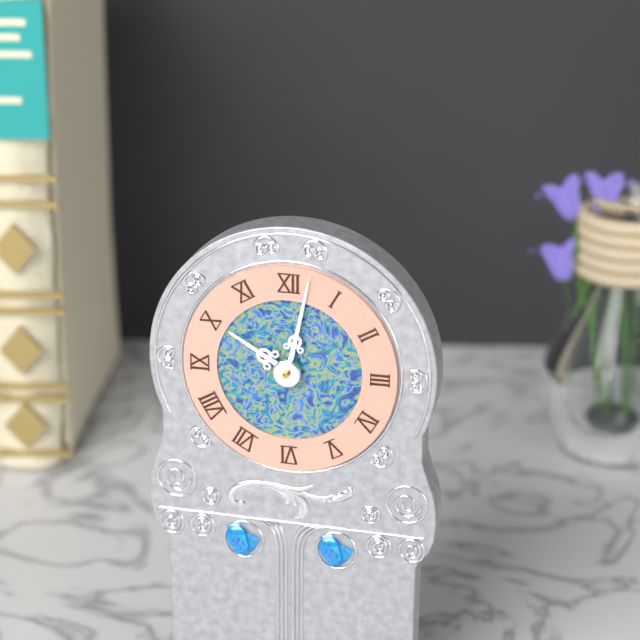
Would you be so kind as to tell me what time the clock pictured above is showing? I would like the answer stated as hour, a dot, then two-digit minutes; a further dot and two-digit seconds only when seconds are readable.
10.02
